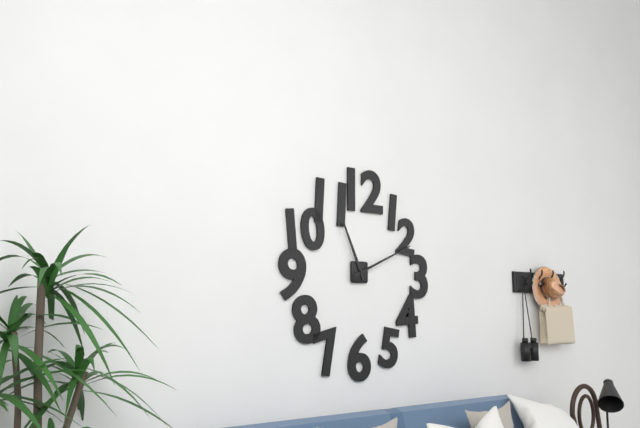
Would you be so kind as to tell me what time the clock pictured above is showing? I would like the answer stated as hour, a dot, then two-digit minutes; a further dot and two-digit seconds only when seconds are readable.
11.11
